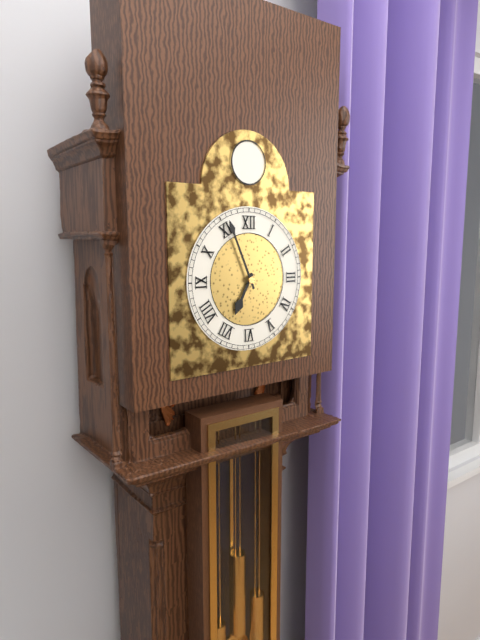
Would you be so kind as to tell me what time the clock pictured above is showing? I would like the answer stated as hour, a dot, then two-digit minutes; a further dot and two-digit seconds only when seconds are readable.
6.56
